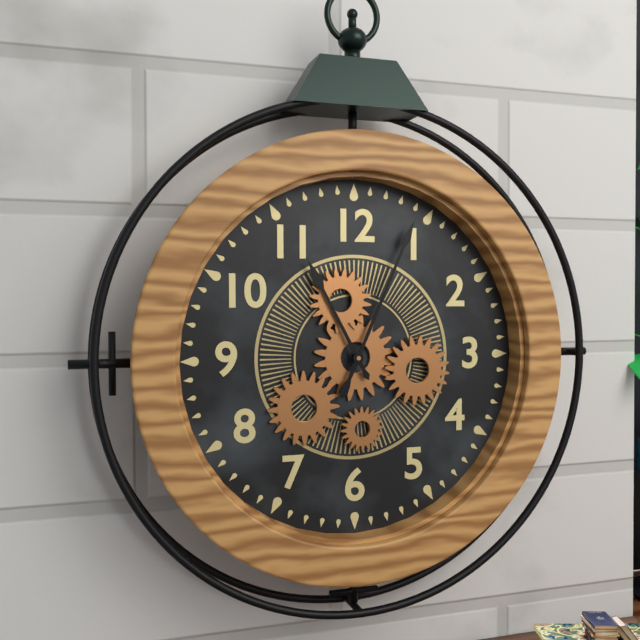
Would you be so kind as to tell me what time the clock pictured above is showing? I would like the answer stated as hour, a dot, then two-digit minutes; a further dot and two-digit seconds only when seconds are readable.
11.04
